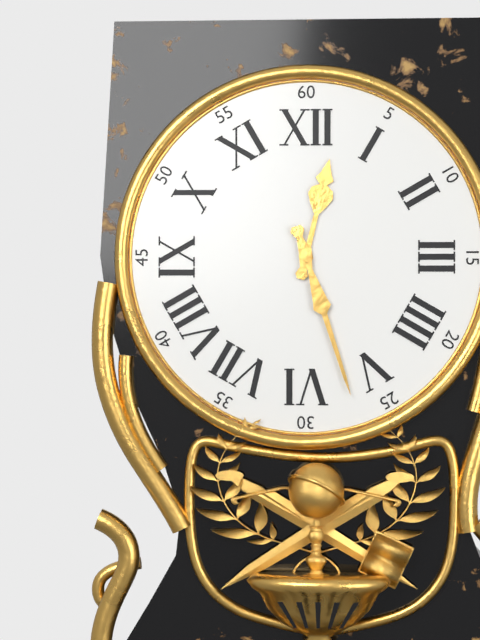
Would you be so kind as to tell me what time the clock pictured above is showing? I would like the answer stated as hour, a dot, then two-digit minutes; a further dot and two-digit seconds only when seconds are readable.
12.27
